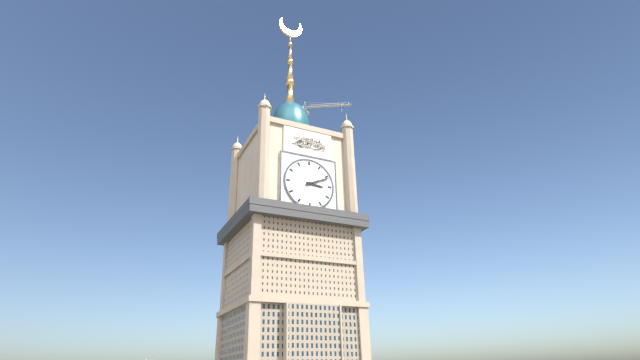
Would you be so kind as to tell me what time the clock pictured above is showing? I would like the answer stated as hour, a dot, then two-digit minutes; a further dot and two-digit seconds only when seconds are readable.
3.11
